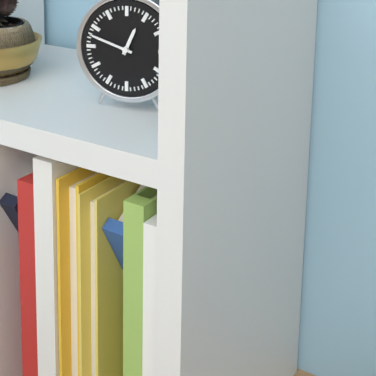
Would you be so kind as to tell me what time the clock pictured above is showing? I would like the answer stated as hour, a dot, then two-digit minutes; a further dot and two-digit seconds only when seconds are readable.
12.48
